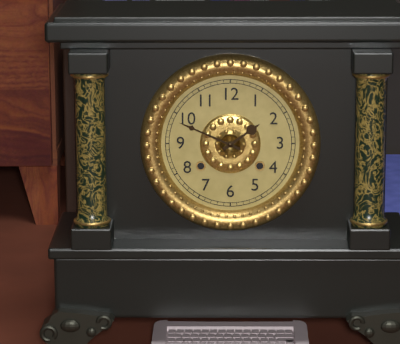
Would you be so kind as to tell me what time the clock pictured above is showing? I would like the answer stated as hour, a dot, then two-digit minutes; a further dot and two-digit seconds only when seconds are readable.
1.49
